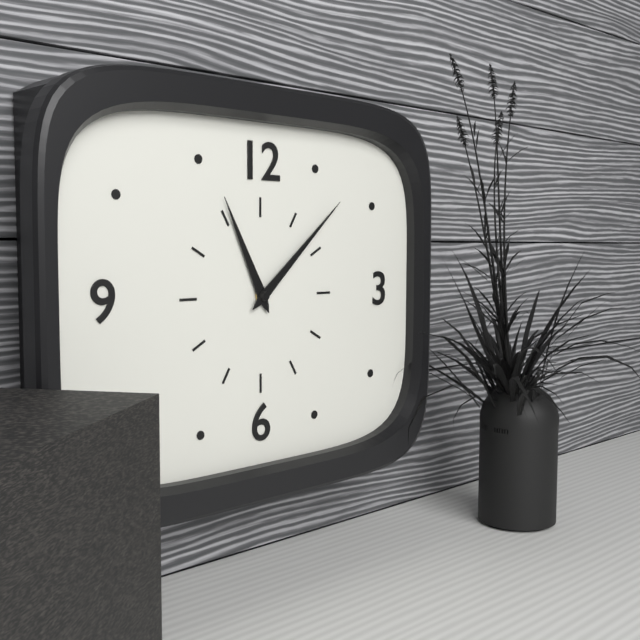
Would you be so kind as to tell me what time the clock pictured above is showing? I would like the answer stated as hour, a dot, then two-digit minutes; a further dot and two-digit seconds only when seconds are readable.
11.08
